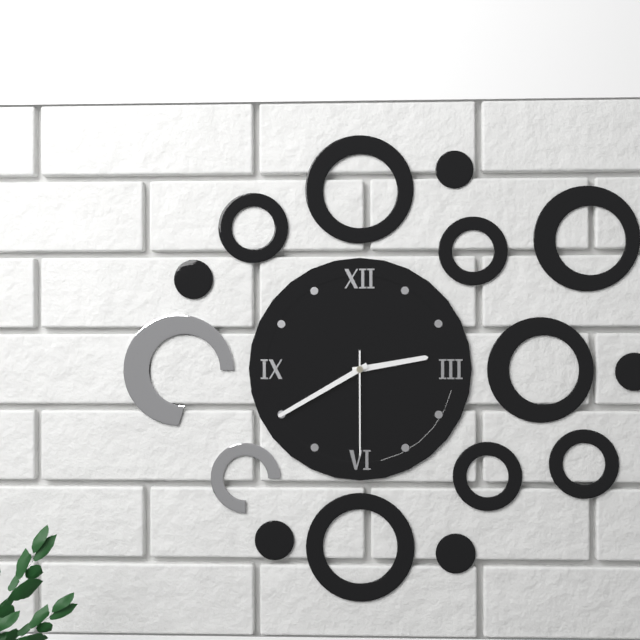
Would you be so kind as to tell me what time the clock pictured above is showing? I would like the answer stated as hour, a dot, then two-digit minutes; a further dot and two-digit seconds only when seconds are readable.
2.40.30
